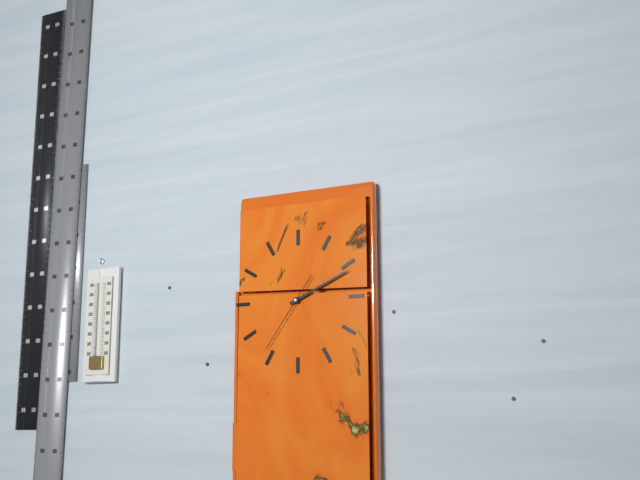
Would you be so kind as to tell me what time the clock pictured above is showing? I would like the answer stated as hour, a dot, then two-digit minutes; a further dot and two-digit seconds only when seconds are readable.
2.11.36
